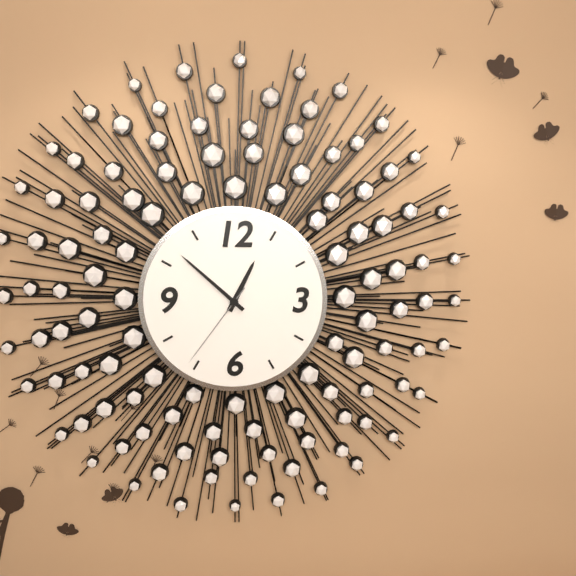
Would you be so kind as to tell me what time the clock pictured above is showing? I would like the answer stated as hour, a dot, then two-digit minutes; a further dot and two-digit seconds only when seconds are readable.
12.52.36
